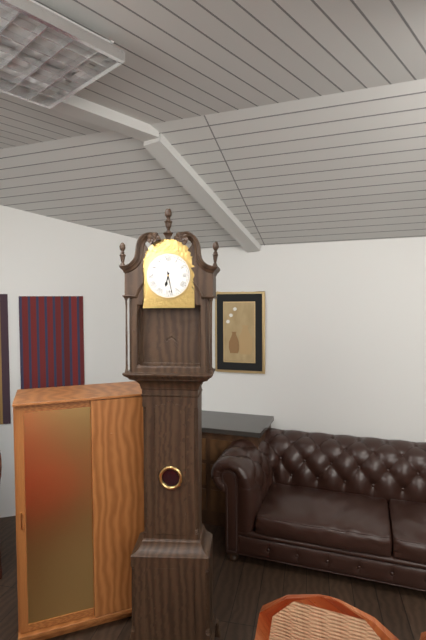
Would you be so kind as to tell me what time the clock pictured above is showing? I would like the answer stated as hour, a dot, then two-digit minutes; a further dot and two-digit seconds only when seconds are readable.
6.28
